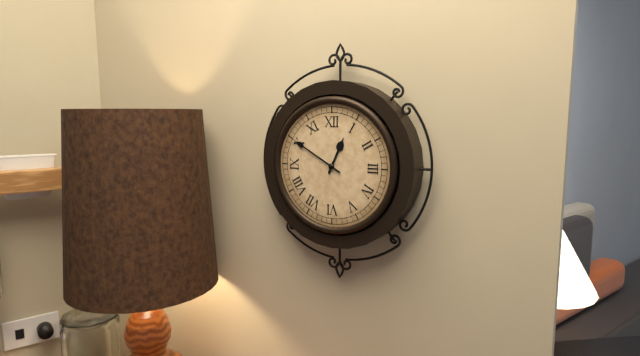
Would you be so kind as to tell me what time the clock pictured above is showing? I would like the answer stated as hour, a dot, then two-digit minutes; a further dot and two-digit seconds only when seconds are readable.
12.50
